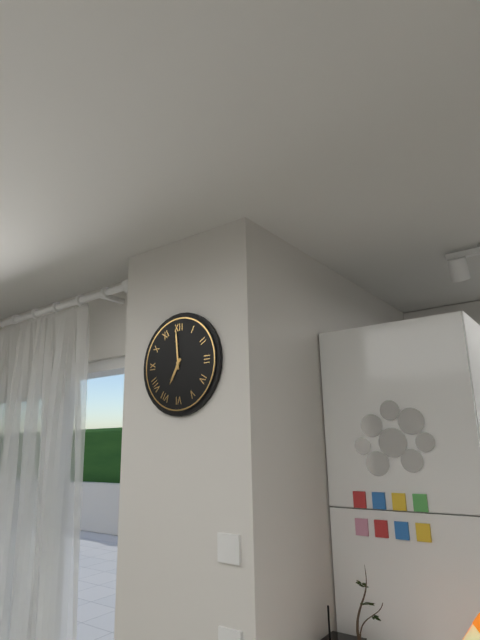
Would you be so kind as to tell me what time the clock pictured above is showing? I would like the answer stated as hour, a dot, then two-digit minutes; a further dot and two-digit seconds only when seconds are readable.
6.59
